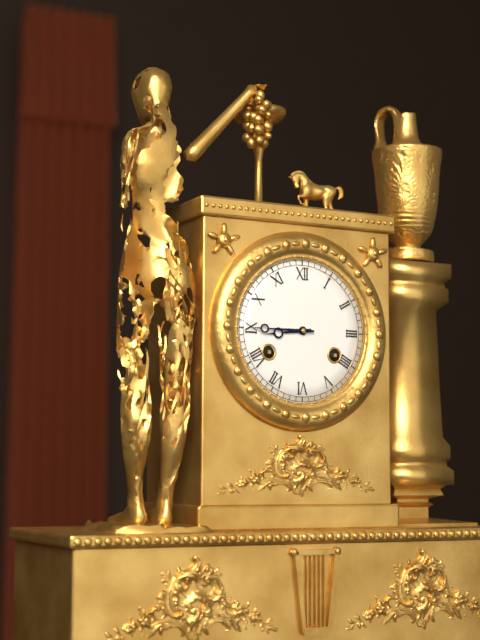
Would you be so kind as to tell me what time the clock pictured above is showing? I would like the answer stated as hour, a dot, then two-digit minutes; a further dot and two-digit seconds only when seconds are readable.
8.45
